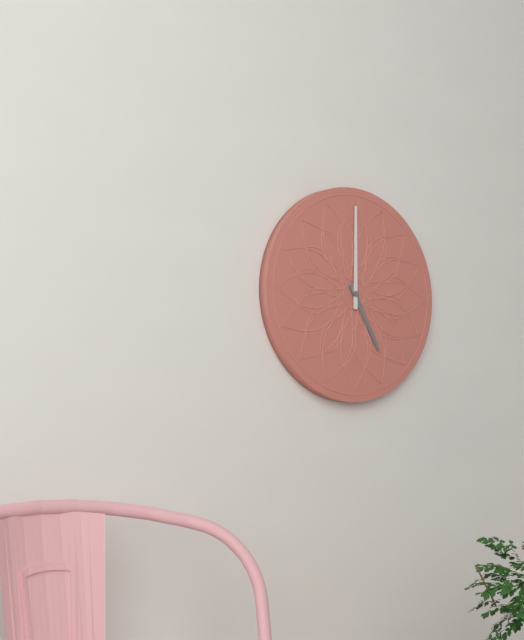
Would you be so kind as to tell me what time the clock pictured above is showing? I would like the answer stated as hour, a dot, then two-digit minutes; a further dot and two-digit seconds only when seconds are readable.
5.00
